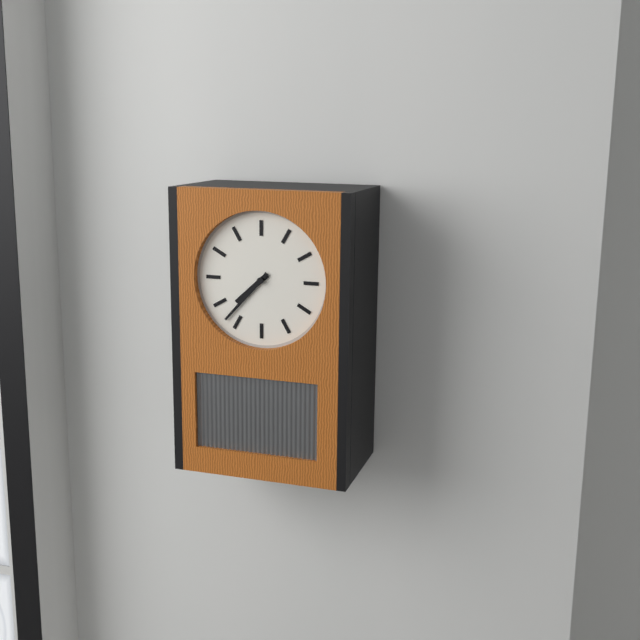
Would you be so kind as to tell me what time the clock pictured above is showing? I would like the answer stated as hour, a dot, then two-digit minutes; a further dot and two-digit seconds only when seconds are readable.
7.37
